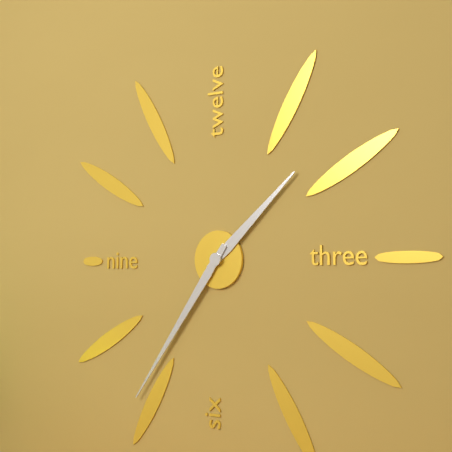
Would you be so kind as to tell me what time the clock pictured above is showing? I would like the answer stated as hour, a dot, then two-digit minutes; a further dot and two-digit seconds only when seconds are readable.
1.36
